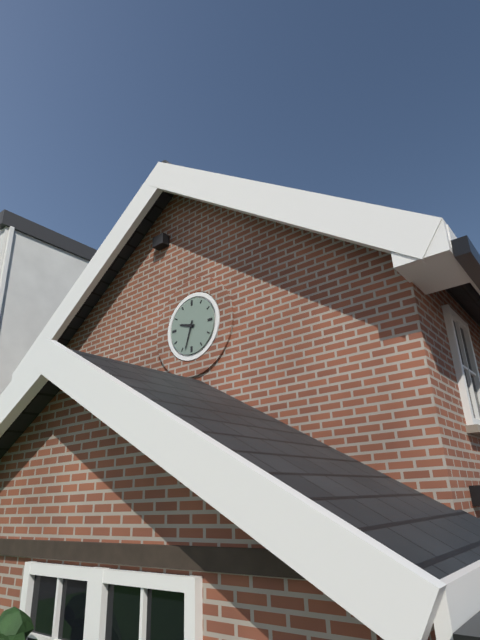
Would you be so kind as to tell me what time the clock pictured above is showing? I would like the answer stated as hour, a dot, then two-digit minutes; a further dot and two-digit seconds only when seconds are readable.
9.33
